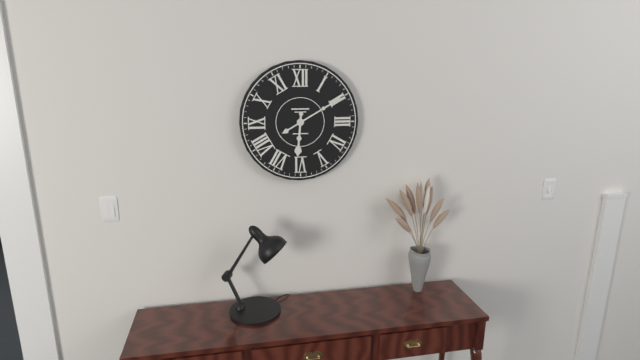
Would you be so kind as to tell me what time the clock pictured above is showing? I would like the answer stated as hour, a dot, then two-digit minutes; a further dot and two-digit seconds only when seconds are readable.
6.10
